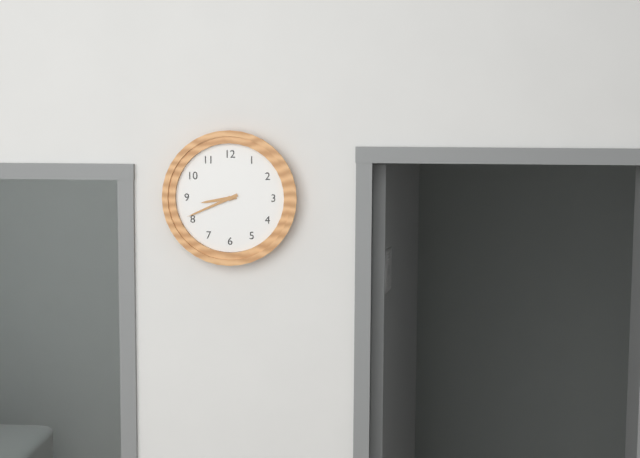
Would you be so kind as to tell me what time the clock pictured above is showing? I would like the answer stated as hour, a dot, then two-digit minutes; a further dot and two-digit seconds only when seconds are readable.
8.41
